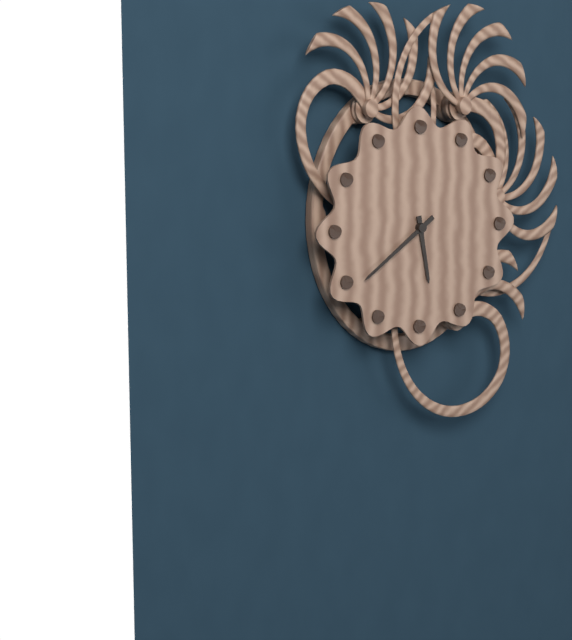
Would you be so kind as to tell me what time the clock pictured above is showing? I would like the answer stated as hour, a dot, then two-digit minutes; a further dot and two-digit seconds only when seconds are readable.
5.39
